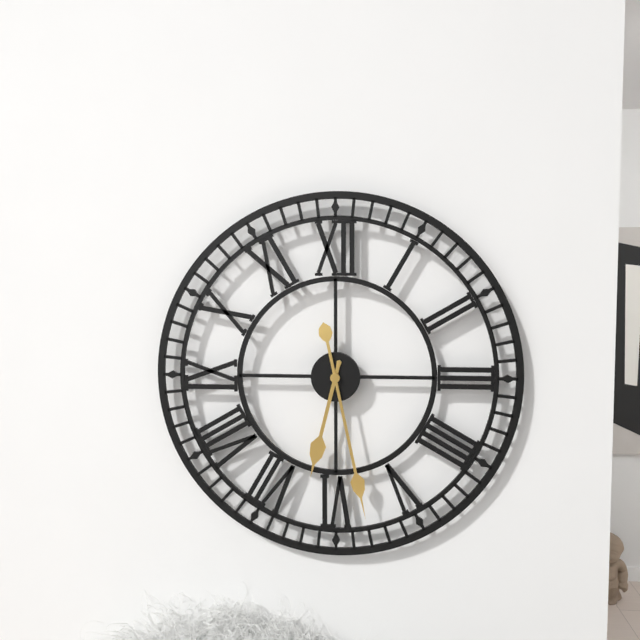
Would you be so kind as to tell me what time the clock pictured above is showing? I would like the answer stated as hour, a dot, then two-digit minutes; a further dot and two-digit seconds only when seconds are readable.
6.28
